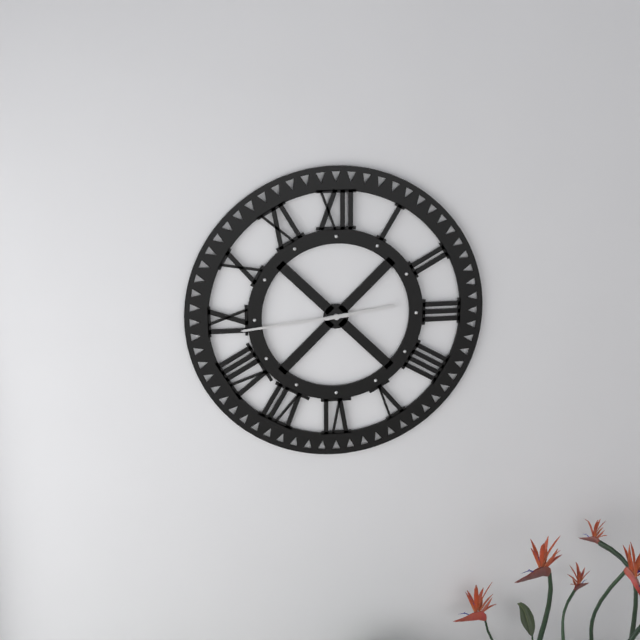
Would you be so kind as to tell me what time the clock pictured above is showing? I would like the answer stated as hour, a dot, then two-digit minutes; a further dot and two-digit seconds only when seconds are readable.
2.44
